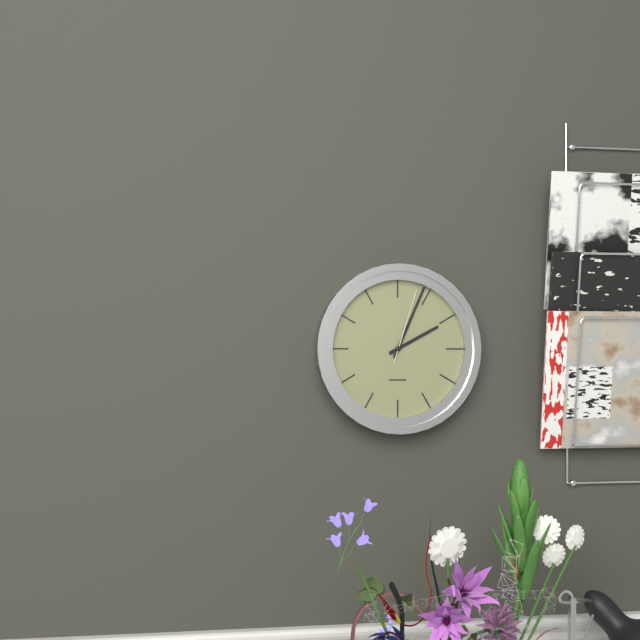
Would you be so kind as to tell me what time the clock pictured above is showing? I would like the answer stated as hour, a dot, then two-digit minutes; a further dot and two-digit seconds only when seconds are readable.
2.04.03
